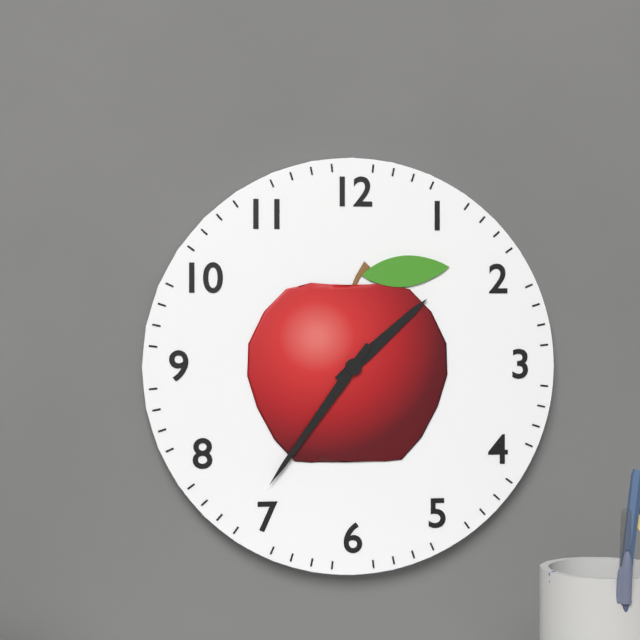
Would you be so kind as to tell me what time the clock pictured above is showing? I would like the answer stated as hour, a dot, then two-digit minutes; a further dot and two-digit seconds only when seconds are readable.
1.36
